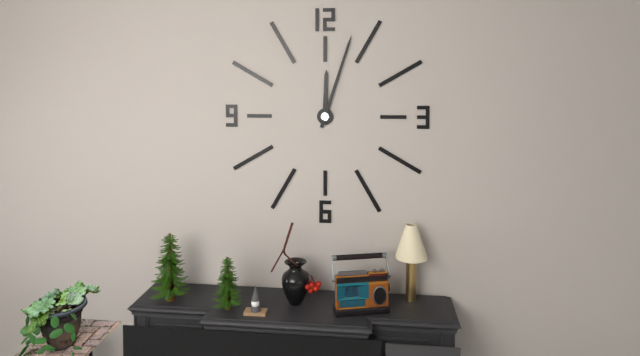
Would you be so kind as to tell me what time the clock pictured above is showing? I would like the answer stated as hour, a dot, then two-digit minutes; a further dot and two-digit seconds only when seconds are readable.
12.03
